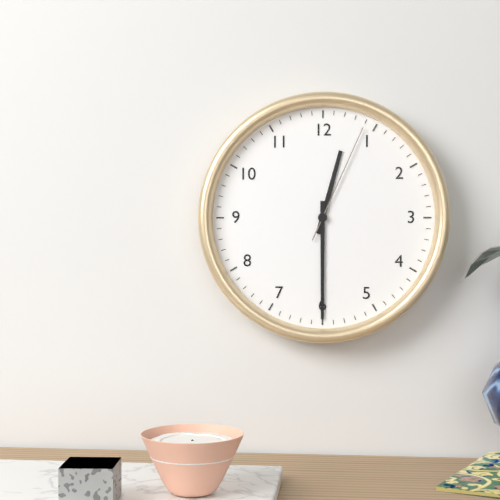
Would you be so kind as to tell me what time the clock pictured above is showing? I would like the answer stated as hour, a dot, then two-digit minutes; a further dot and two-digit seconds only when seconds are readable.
12.30.04
